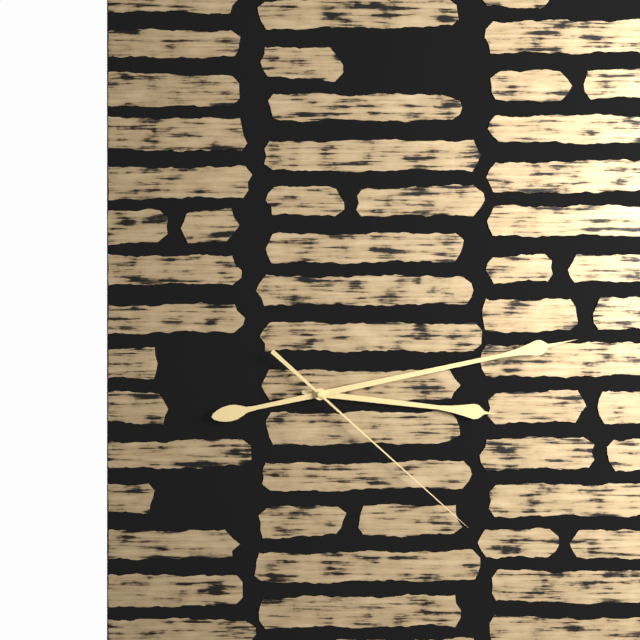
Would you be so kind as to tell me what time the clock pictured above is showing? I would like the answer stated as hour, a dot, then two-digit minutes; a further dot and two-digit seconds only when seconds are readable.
3.13.22
